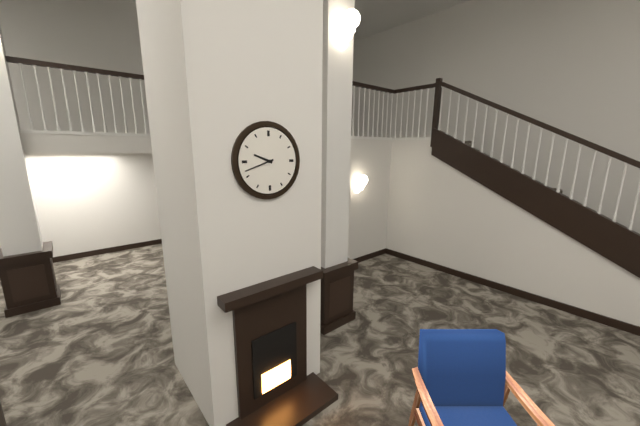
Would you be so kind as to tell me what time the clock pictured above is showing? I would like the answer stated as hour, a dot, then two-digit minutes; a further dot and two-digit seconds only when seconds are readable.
9.42
